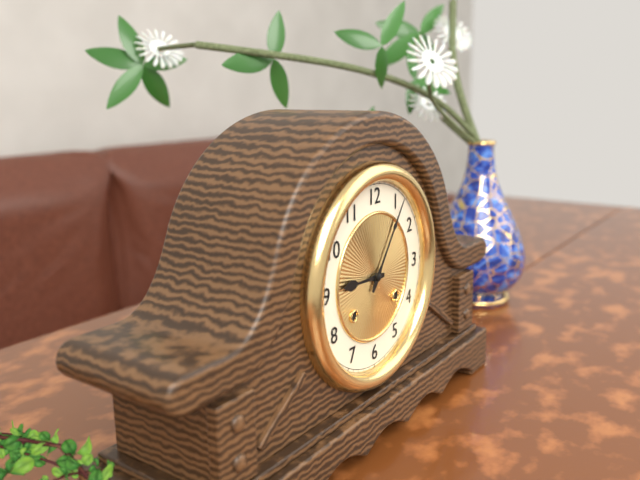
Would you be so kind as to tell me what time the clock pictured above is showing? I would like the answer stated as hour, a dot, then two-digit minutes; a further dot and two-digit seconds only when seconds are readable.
9.06
